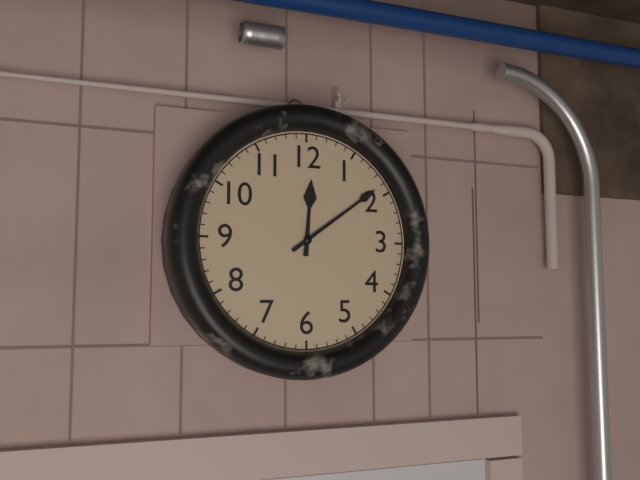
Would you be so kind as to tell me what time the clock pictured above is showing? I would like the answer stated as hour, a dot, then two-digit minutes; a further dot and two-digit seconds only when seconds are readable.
12.09
